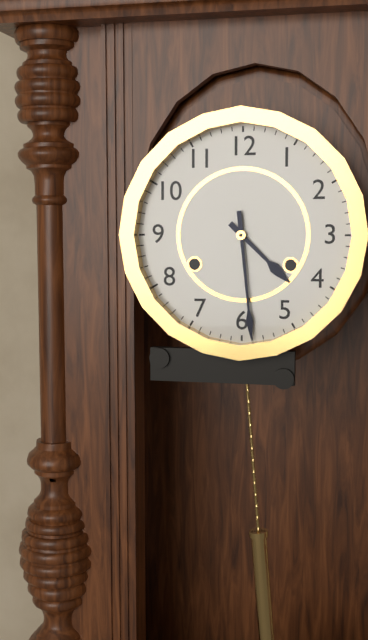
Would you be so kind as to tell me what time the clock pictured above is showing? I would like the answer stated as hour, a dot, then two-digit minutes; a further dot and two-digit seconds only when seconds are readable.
4.29
